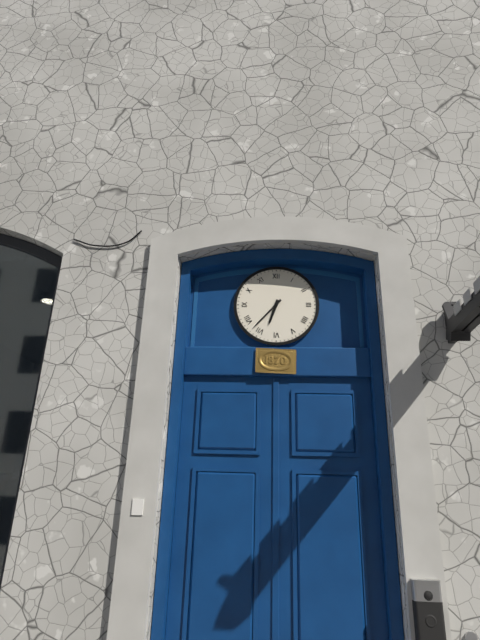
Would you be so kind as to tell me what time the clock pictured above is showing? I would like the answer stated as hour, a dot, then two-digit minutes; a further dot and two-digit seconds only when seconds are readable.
6.37
